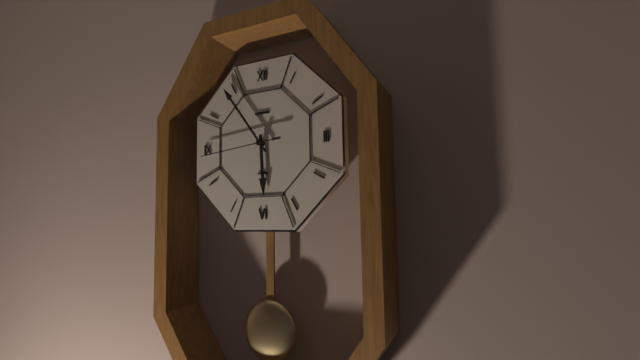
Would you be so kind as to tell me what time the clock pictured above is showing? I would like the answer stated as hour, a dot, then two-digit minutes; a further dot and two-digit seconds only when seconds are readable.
5.54.44
